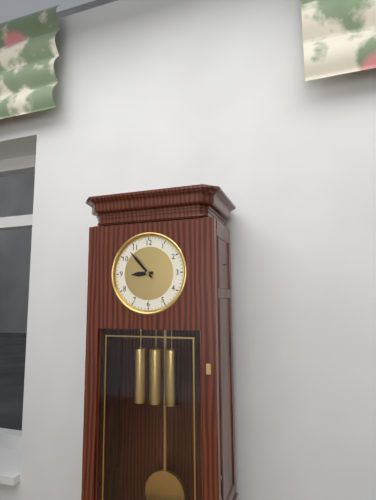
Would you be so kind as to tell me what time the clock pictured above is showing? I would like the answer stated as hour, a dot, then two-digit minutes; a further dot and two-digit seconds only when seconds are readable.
8.53
